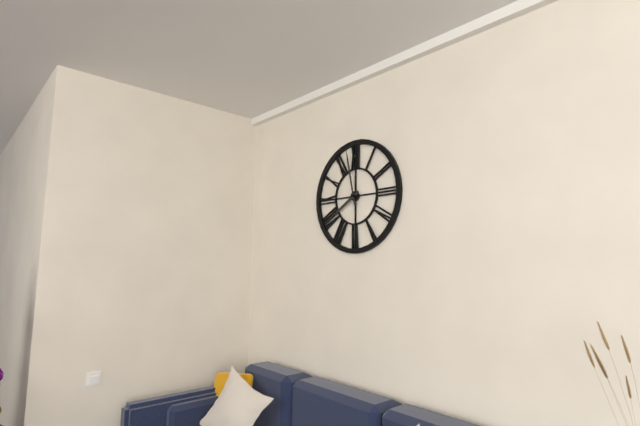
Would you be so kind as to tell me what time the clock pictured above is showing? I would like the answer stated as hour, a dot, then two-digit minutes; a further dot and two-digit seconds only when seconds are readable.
7.58
